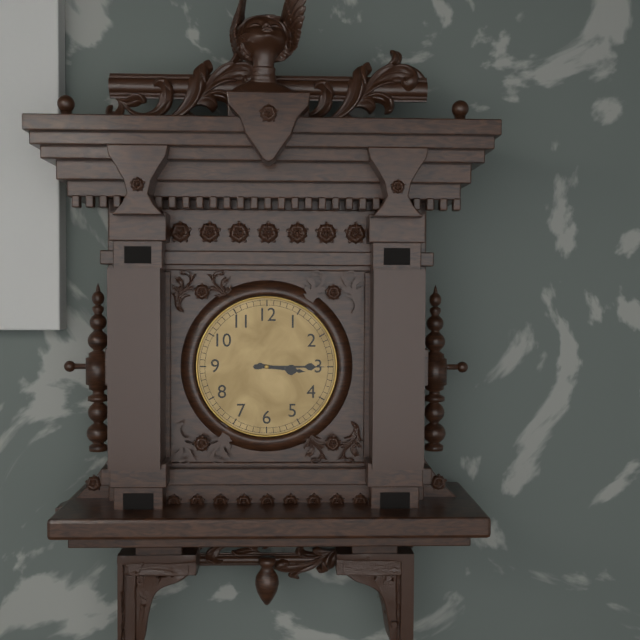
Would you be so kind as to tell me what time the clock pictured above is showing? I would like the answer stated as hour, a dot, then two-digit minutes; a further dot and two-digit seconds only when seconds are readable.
3.15
